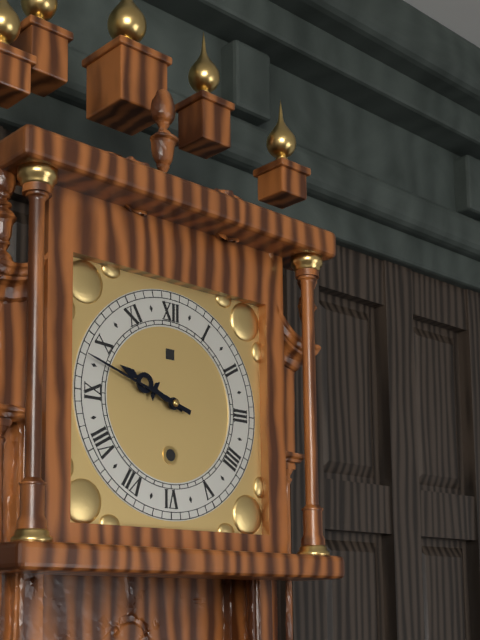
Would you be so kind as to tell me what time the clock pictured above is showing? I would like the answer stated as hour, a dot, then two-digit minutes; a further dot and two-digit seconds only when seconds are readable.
9.48
